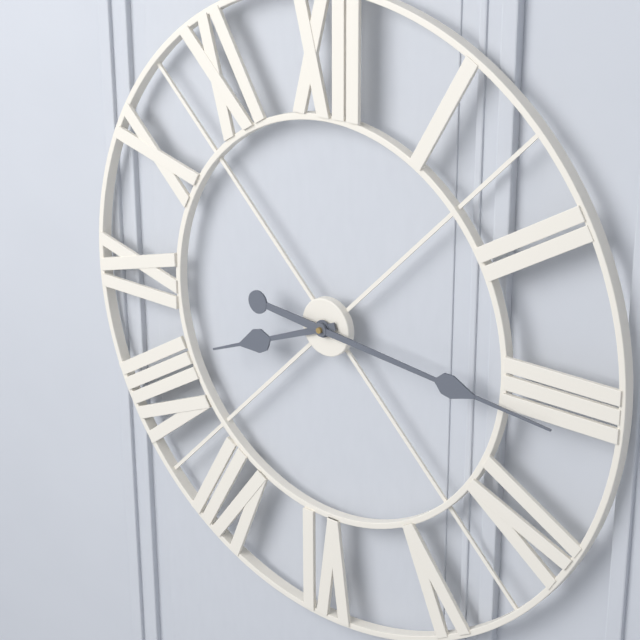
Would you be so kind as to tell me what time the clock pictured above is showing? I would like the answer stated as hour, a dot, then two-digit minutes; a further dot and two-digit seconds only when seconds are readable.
8.16
